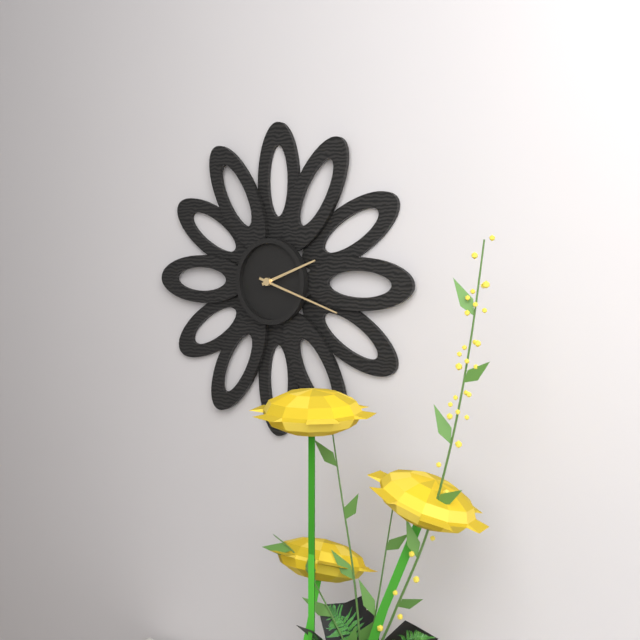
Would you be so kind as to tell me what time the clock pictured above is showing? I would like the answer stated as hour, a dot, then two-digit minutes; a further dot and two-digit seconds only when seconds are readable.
2.18
